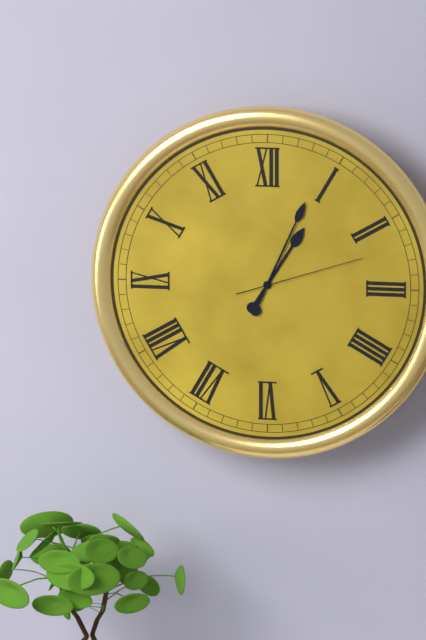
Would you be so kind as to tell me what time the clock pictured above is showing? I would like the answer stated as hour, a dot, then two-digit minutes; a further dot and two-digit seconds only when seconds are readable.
1.04.12
